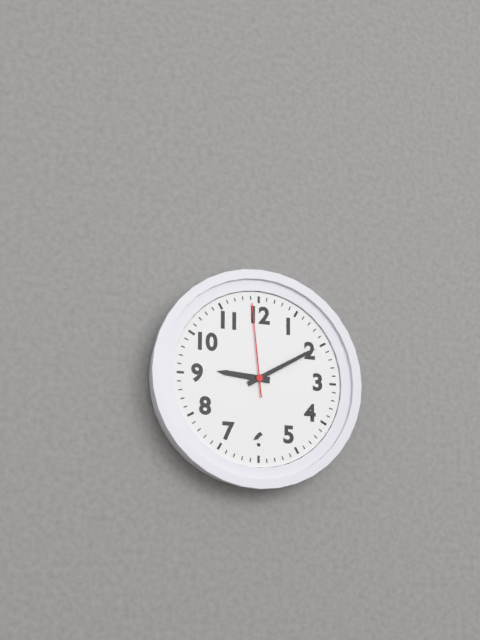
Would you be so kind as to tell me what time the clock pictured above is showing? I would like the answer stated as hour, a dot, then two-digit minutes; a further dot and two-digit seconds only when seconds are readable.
9.10.59
